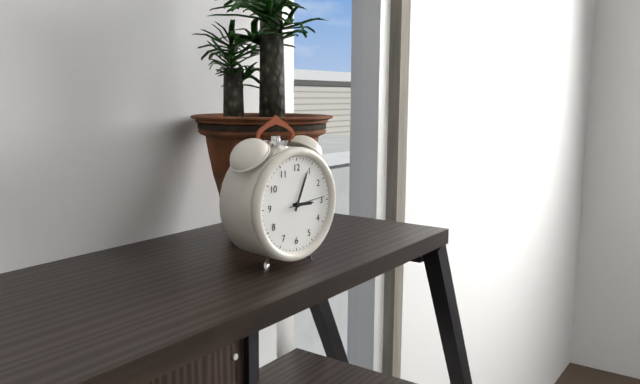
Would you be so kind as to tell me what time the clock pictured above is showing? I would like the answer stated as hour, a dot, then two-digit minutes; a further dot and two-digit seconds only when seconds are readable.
3.04
